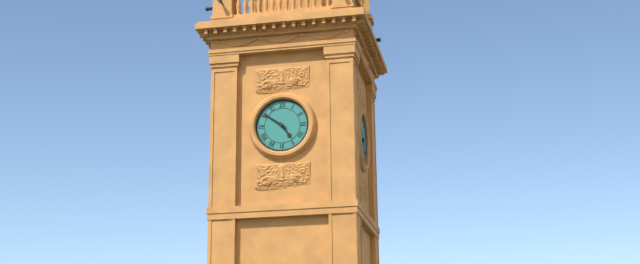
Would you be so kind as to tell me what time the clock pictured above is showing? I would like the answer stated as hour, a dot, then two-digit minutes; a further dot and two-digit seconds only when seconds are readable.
4.51
